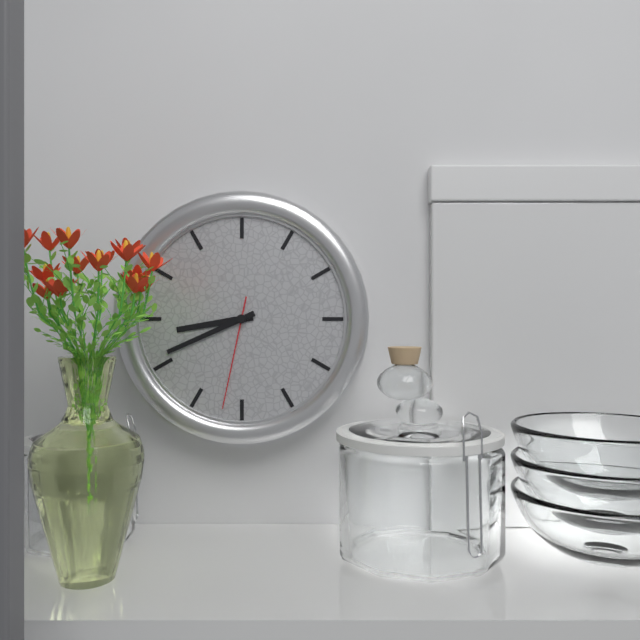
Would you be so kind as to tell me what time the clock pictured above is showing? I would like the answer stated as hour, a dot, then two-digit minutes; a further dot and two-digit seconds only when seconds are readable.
8.41.32
